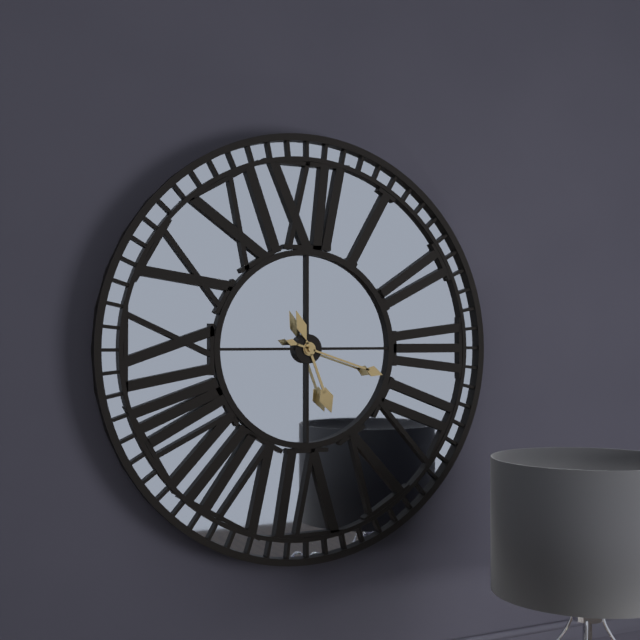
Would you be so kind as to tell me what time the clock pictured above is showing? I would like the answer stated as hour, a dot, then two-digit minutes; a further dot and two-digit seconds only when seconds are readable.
5.18
